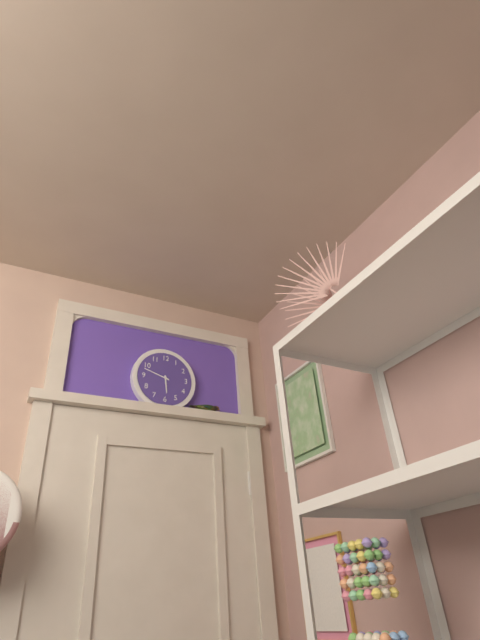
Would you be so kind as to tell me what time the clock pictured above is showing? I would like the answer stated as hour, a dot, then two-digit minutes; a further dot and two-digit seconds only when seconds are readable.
5.48
